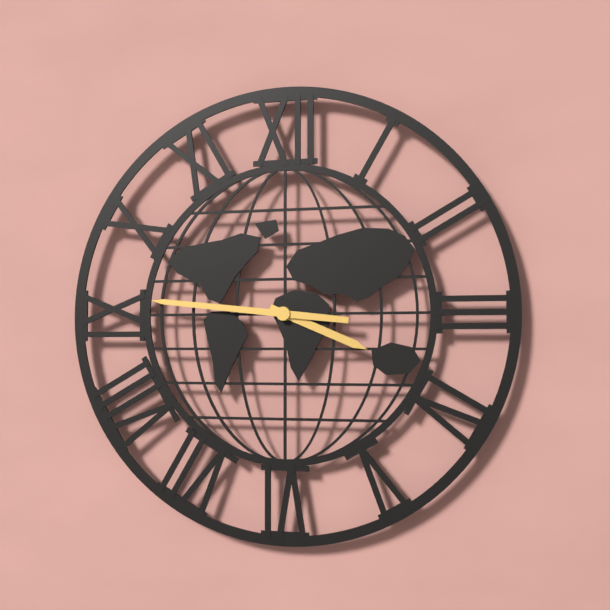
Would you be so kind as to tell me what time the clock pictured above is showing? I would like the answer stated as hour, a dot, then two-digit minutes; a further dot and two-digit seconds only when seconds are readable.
3.46
